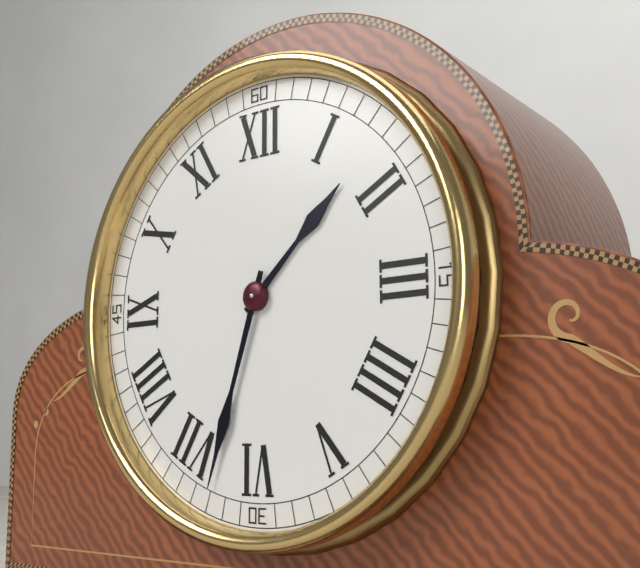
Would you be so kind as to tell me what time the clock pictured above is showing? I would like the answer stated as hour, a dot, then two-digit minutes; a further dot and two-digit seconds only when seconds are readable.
1.33
